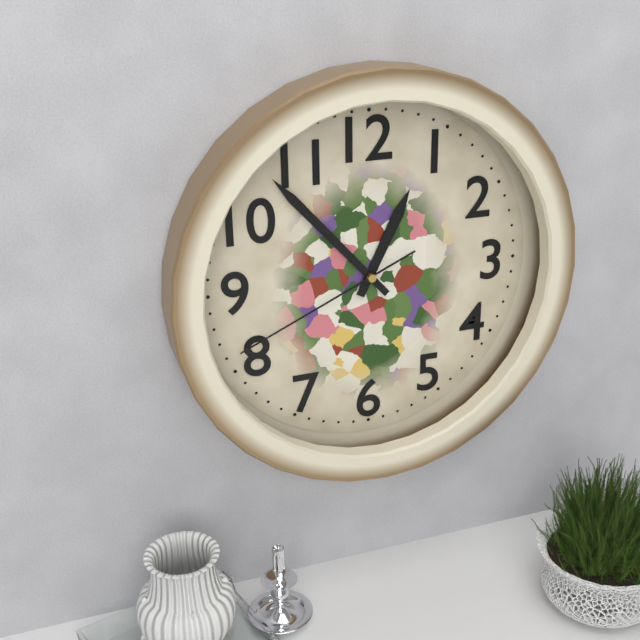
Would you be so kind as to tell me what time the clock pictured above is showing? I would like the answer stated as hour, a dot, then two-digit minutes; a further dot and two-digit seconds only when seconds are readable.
12.53.41
